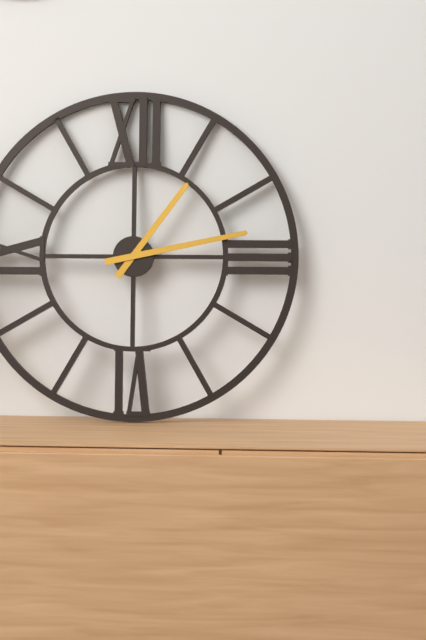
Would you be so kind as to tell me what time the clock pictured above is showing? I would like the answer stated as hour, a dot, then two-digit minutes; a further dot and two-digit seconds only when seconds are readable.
1.13
